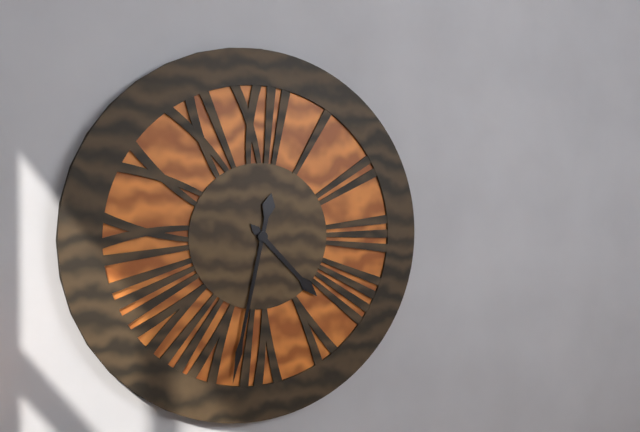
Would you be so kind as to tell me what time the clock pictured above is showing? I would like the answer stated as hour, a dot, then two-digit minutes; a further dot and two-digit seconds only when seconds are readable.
4.32
